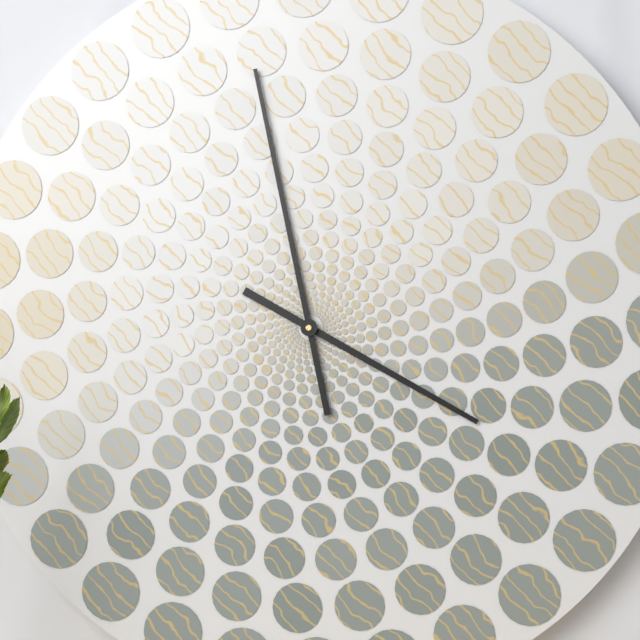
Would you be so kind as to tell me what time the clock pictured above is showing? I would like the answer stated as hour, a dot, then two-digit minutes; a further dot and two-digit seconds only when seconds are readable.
3.58
